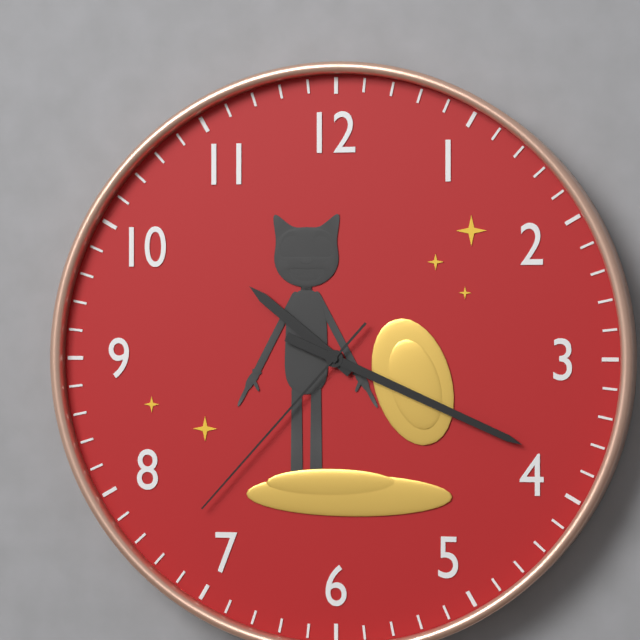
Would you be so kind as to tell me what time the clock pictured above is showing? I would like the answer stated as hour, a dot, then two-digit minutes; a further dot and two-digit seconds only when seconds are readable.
10.19.37
